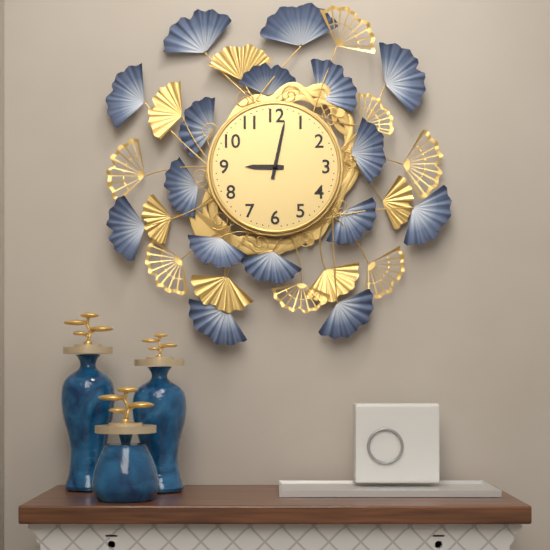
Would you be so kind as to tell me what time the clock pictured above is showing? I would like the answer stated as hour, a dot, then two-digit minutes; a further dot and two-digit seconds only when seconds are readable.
9.02
